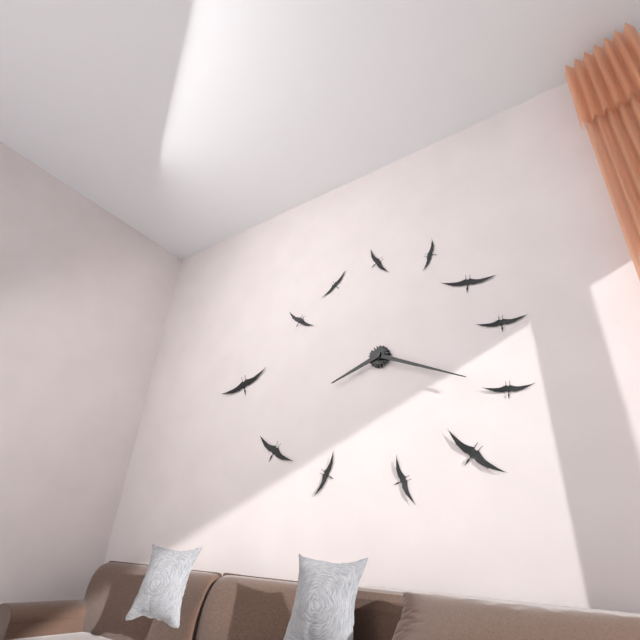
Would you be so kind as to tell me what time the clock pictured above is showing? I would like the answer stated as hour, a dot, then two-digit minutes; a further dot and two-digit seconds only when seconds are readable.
8.19
